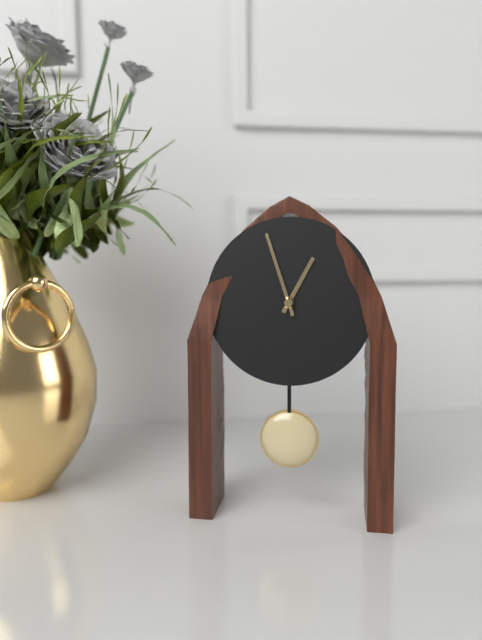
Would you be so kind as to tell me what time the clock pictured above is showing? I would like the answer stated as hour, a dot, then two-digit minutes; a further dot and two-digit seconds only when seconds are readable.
12.57
